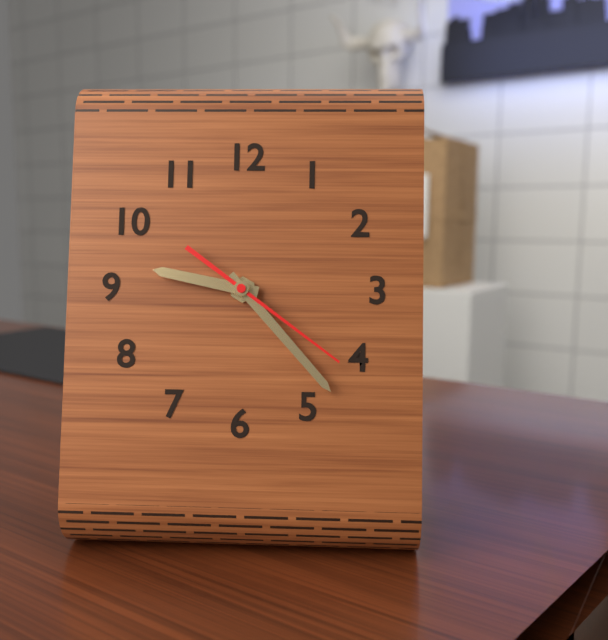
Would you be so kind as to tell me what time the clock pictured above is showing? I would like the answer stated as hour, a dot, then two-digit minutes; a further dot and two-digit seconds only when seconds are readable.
9.23.21
